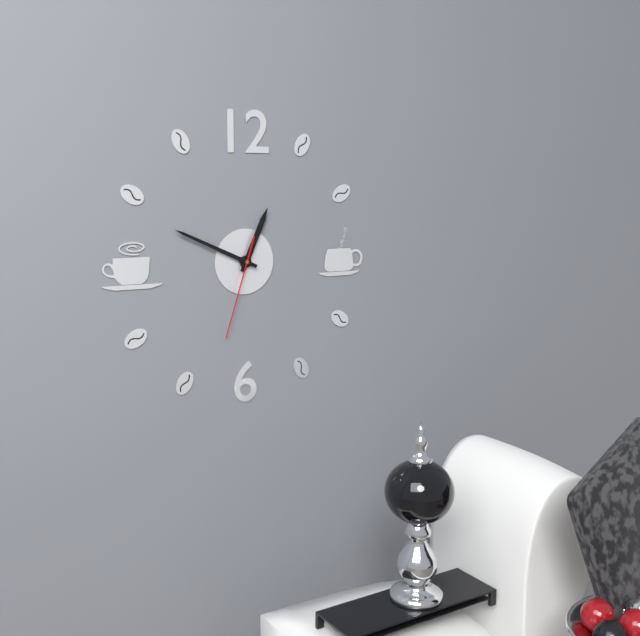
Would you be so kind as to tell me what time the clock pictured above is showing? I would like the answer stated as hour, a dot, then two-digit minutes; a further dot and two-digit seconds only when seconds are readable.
12.49.33
